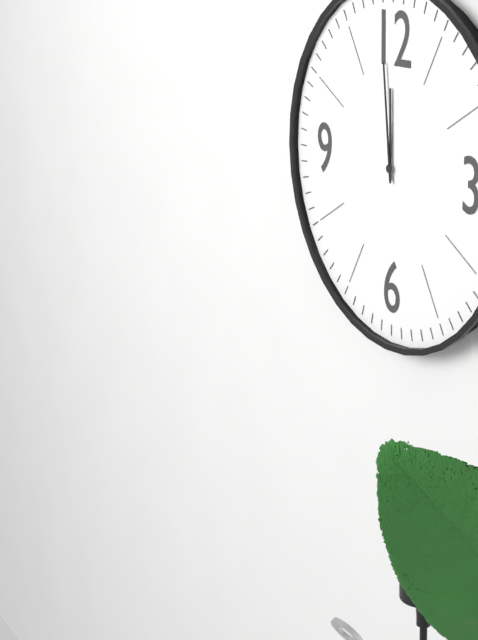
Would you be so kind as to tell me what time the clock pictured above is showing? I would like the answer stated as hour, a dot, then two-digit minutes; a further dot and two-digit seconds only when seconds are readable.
11.59
